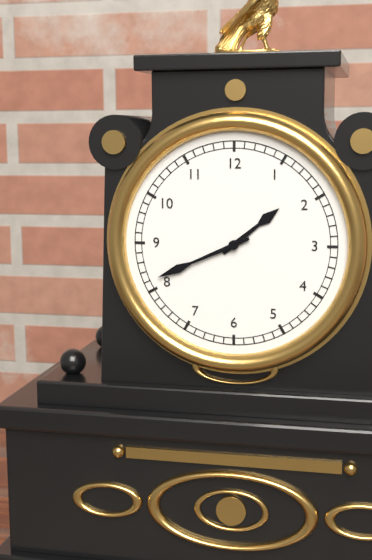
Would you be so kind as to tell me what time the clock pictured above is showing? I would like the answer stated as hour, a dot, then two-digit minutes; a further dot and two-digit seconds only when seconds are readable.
1.41
